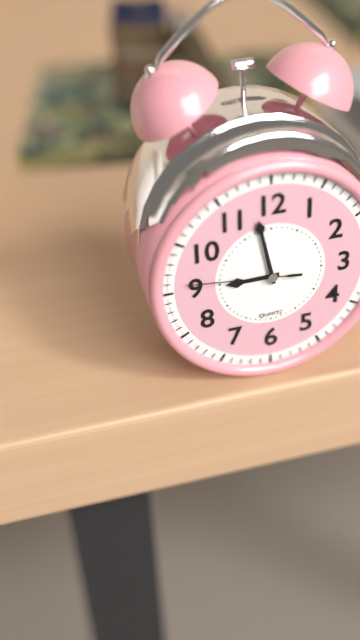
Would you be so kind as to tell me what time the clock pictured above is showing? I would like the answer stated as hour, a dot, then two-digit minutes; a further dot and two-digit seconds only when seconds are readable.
8.58.46
